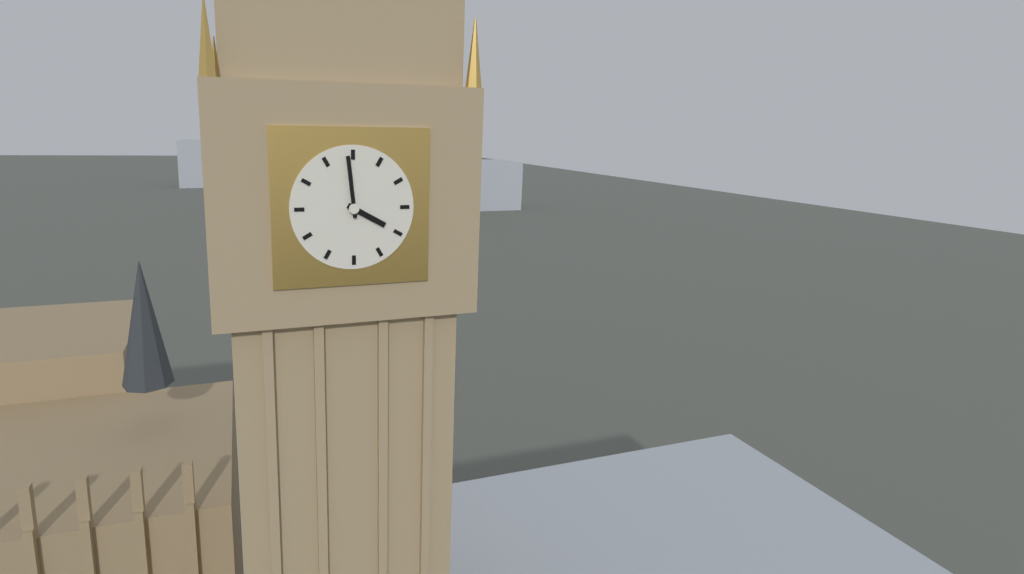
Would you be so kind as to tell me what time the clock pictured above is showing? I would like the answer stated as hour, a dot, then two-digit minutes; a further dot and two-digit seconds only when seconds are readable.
3.59
